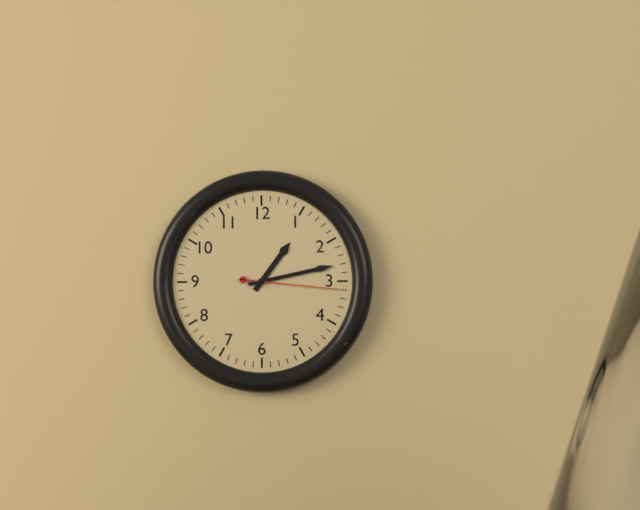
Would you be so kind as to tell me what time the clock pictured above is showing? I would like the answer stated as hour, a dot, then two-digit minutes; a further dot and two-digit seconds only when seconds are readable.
1.13.16
